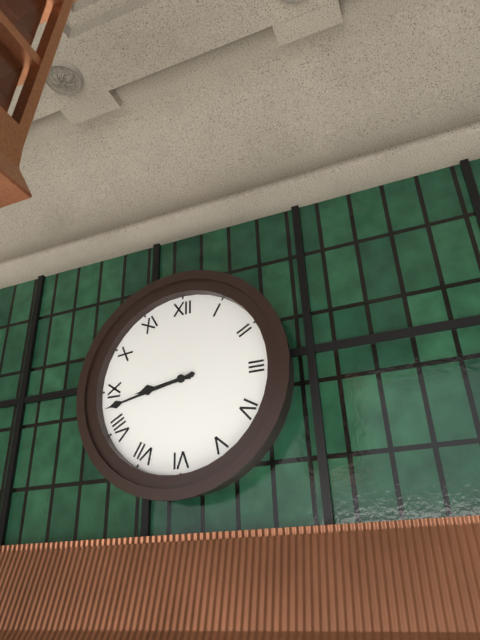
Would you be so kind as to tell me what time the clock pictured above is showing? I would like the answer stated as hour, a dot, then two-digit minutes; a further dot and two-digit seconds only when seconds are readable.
8.43
